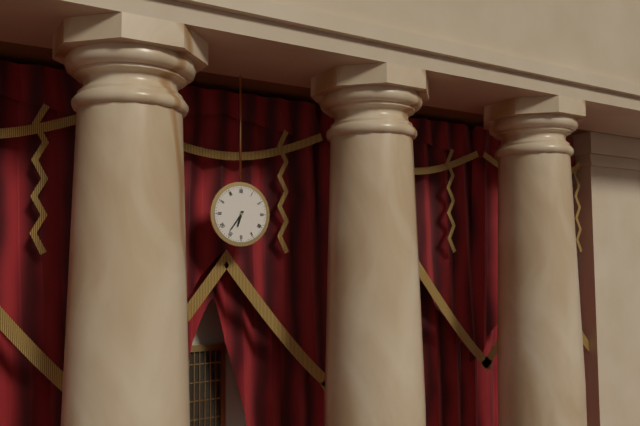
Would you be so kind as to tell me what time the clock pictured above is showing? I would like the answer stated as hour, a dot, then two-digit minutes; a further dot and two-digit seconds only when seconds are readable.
6.36
